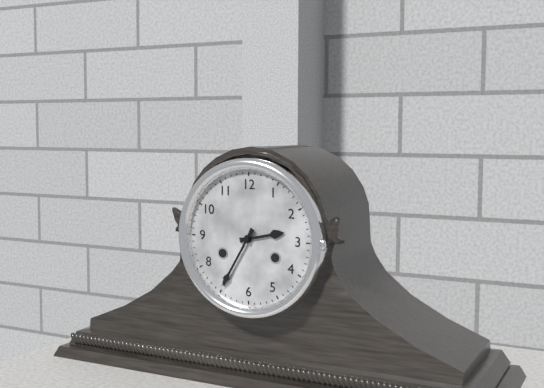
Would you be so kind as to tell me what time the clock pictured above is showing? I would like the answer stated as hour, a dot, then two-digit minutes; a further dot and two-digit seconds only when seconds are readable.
2.35
